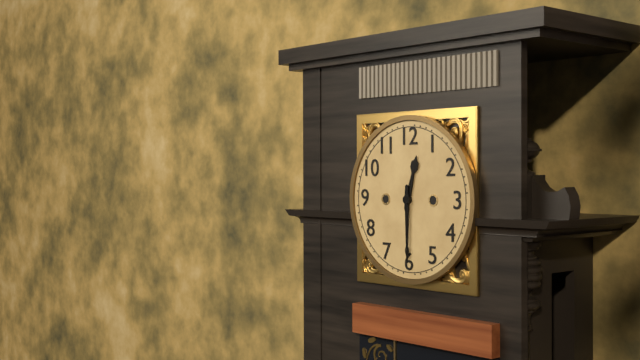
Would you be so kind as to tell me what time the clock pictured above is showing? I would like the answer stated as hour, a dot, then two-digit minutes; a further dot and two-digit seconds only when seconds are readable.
12.30
